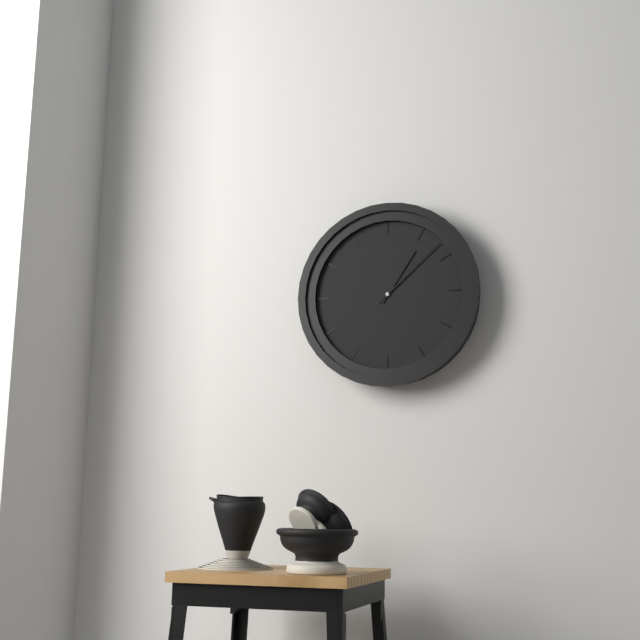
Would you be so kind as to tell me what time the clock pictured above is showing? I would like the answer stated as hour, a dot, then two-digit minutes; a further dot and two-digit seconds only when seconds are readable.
1.08
